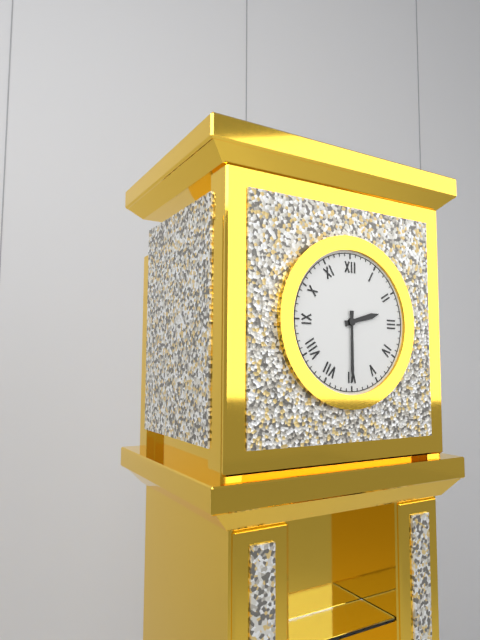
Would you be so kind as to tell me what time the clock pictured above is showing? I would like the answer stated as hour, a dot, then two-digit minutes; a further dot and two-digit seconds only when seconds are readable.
2.30
